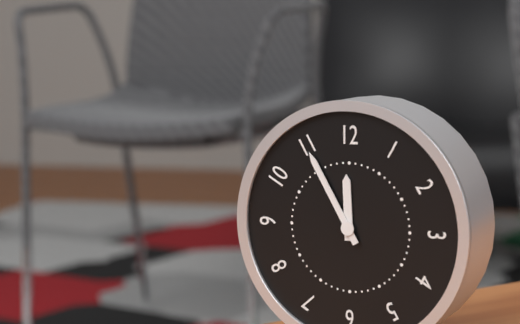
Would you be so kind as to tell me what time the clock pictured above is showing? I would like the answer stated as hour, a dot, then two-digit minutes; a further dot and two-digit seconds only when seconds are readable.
11.55
